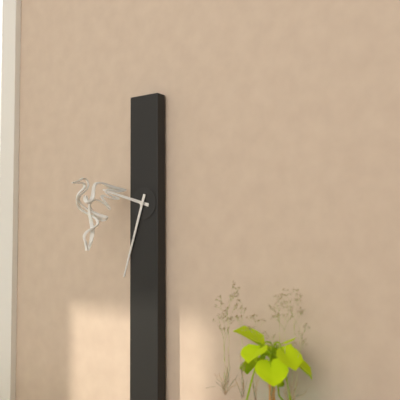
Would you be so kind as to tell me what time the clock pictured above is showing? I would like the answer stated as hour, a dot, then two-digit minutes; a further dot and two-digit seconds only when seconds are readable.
9.33
